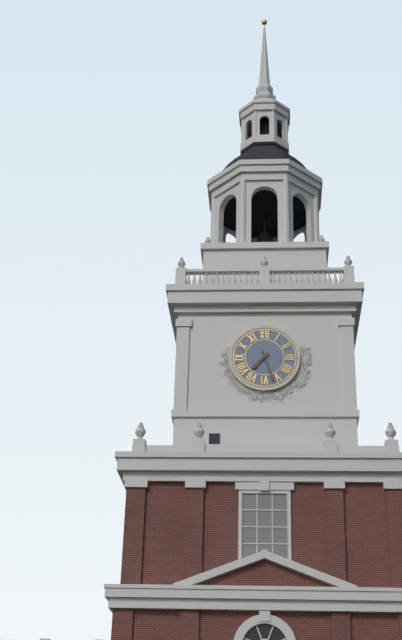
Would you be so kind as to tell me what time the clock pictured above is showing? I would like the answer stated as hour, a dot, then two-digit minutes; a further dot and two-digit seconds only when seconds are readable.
7.27
